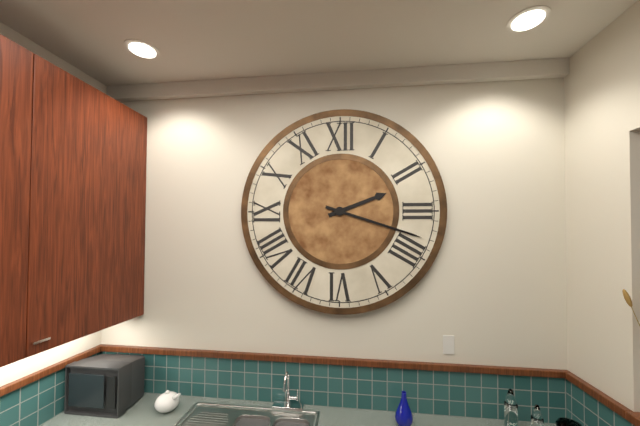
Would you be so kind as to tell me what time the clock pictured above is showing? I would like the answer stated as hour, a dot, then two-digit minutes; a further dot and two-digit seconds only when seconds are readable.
2.18
